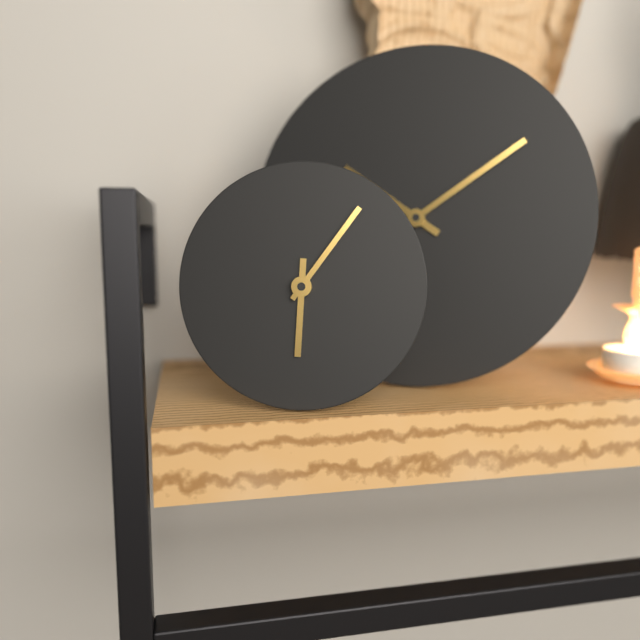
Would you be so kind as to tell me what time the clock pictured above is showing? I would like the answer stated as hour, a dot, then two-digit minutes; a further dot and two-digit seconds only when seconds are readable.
6.06
